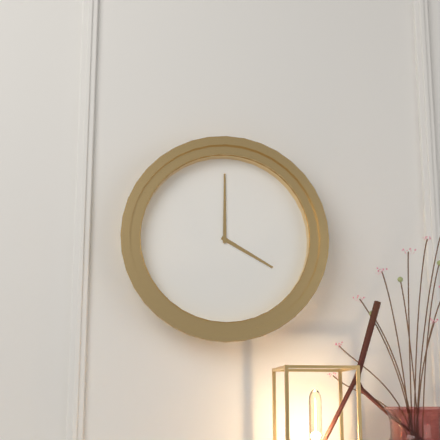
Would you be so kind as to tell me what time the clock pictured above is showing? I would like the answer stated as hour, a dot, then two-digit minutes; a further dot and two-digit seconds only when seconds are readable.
4.00
